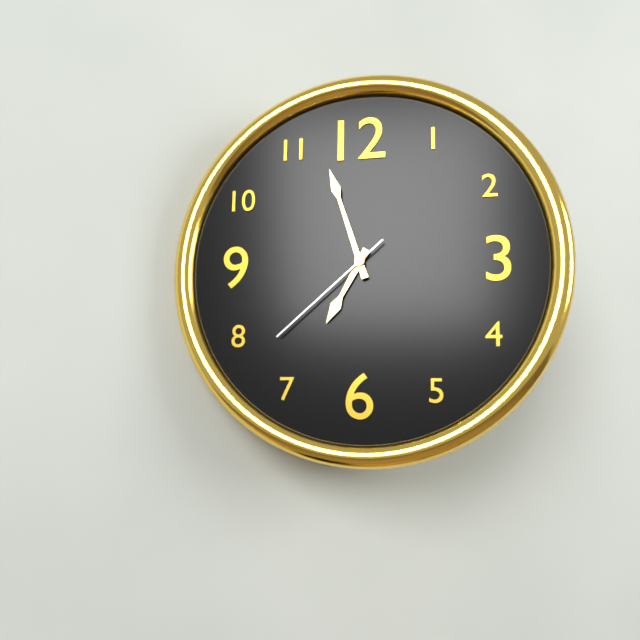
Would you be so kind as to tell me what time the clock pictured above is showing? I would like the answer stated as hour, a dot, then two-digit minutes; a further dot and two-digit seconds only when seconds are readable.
6.57.38
